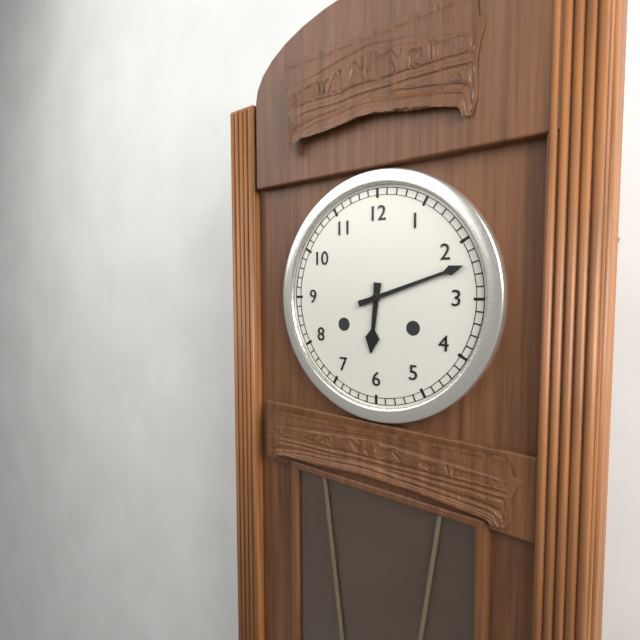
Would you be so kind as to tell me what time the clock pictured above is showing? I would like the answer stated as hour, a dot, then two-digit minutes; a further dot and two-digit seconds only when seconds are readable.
6.12
